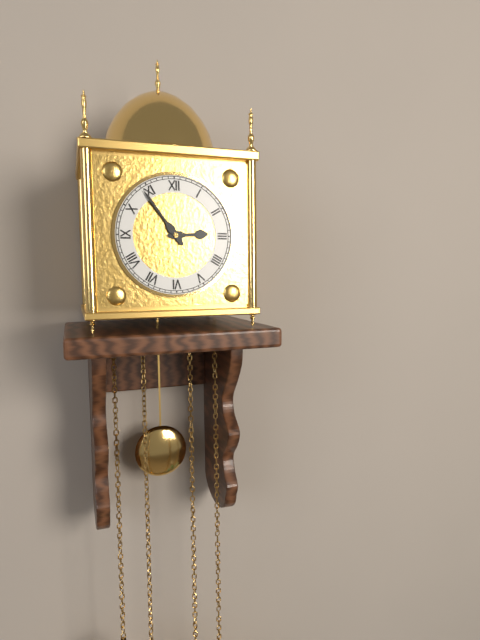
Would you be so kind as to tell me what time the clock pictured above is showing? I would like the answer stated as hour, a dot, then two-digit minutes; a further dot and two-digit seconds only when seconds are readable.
2.54
